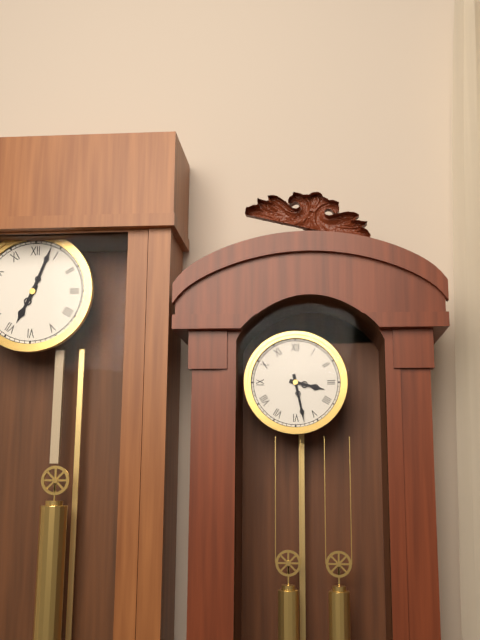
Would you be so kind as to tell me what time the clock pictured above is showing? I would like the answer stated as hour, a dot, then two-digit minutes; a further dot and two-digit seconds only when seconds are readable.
3.28
